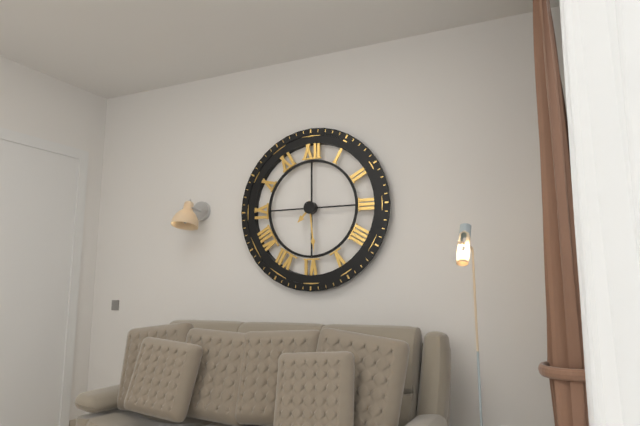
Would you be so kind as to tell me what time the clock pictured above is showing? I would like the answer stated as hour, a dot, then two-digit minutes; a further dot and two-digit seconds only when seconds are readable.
7.29
